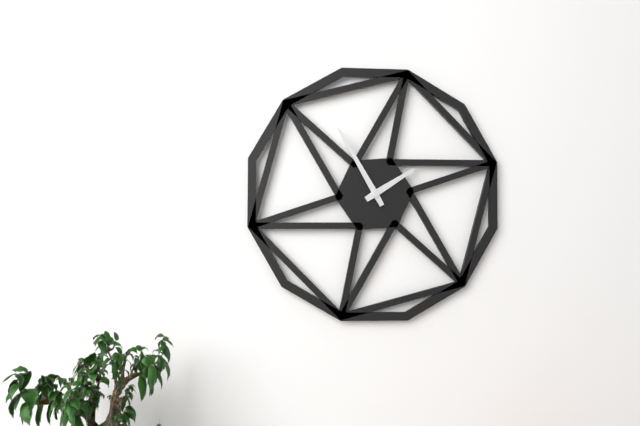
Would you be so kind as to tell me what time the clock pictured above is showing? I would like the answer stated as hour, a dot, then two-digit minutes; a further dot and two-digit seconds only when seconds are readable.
1.55
